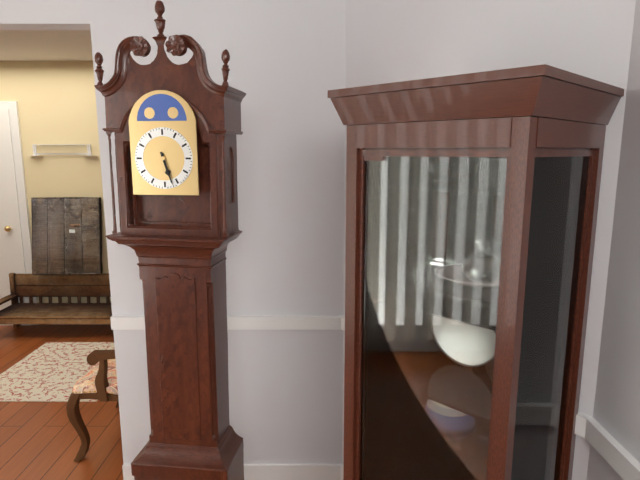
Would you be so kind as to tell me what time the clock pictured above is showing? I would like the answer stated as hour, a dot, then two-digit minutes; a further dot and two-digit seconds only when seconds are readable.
5.27
